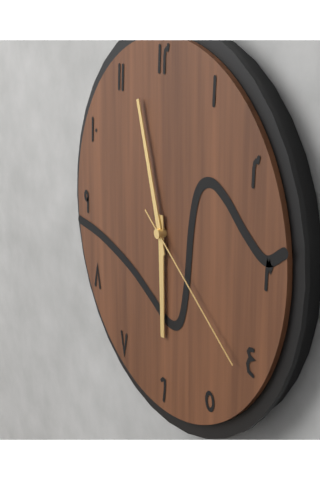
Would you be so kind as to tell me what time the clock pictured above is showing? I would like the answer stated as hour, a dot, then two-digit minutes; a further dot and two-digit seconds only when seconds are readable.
5.57.21
